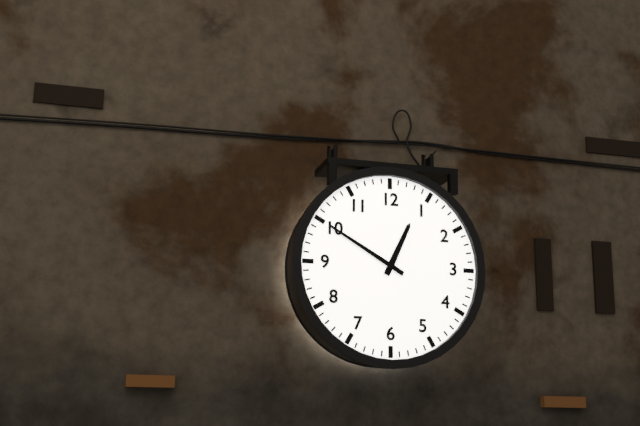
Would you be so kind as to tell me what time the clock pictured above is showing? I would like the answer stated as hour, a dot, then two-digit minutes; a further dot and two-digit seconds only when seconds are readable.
12.50
